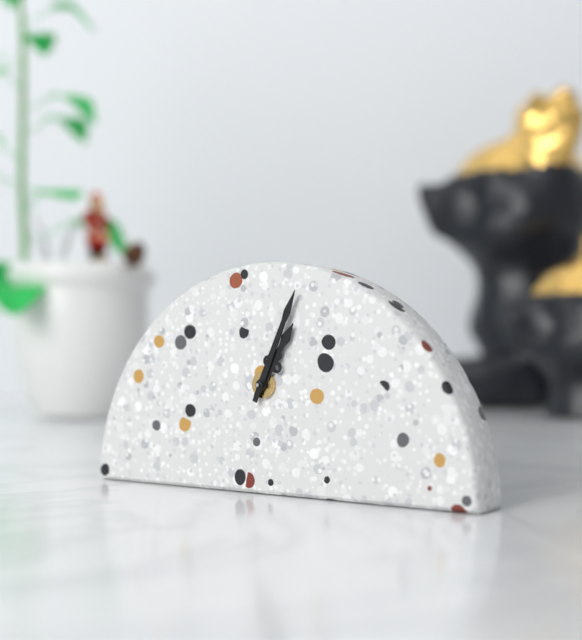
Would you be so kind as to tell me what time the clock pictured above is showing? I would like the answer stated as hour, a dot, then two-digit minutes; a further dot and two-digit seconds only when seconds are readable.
1.04
